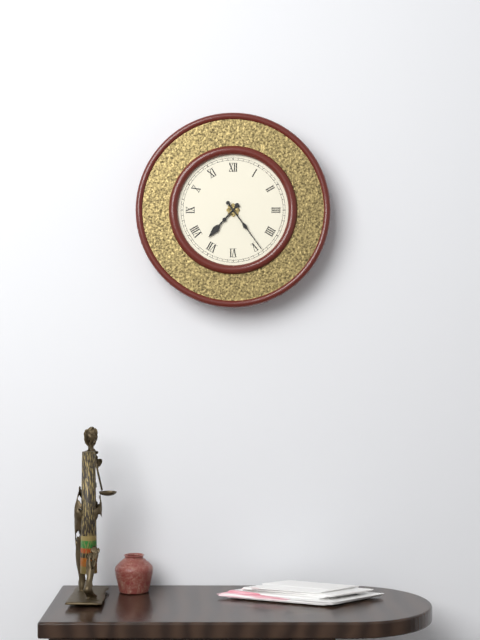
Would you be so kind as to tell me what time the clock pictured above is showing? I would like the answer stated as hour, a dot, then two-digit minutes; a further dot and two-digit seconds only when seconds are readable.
7.24
